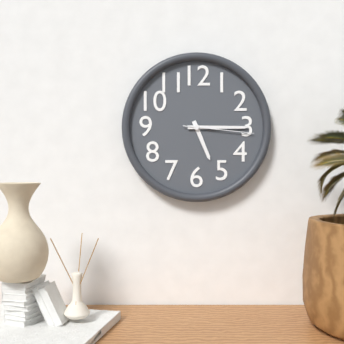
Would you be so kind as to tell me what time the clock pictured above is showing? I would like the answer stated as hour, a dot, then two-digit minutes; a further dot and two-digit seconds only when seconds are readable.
5.15.16
